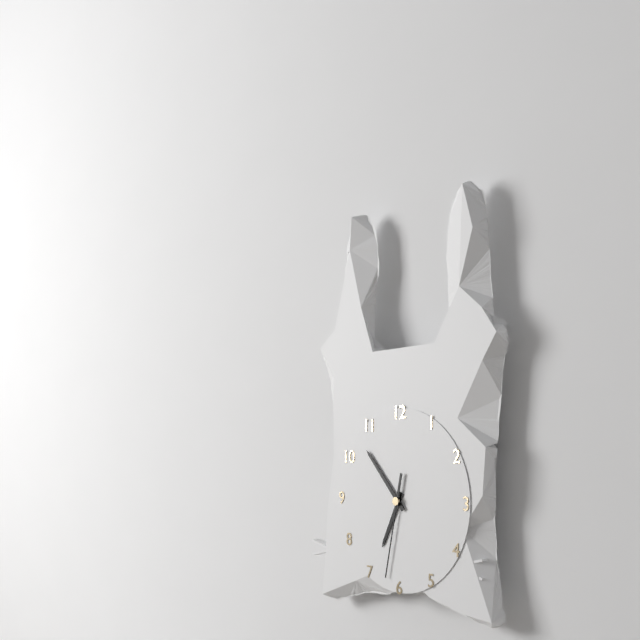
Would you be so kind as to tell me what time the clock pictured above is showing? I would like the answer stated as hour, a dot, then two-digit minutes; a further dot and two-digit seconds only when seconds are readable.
6.53.32
